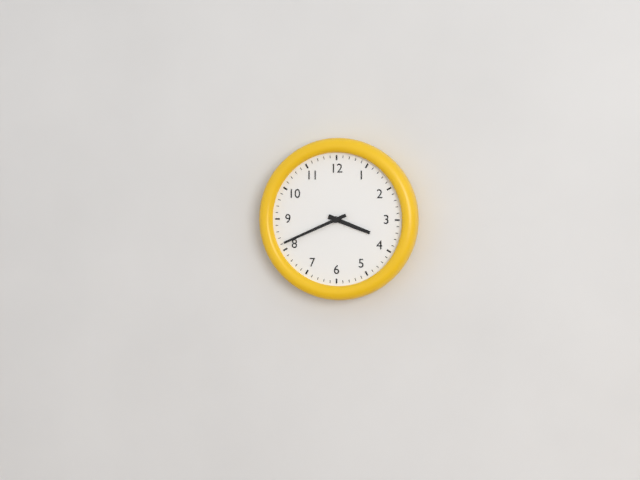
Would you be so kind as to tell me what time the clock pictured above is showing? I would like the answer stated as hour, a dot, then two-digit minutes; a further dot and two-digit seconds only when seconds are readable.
3.41
